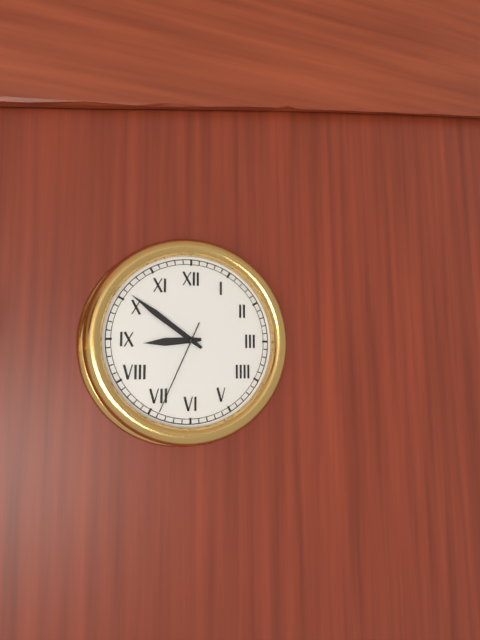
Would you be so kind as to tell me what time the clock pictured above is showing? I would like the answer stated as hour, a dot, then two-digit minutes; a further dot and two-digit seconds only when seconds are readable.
8.51.34
